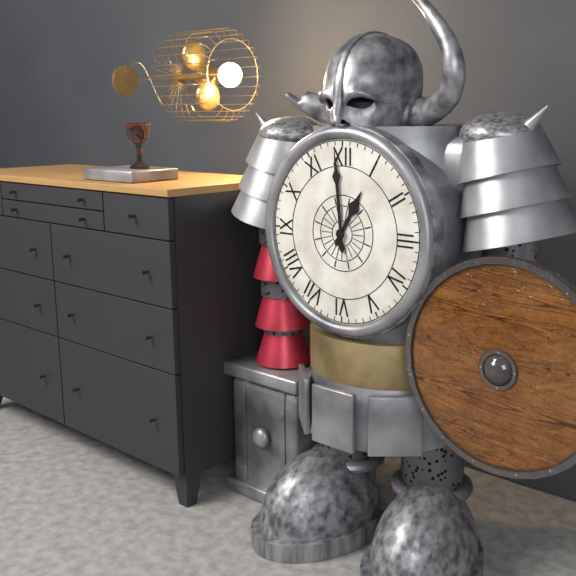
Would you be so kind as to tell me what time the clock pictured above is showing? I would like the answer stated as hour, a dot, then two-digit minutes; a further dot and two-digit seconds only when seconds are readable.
12.59
